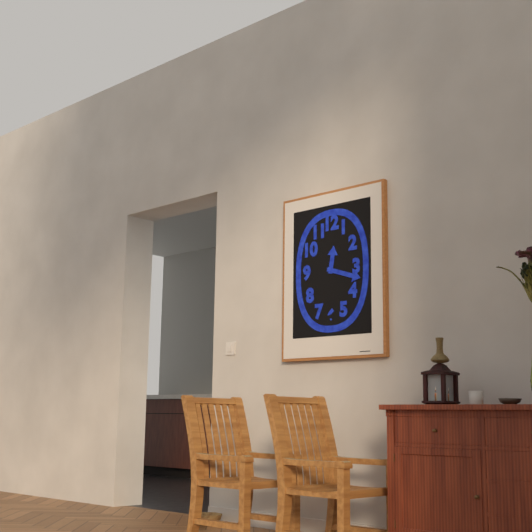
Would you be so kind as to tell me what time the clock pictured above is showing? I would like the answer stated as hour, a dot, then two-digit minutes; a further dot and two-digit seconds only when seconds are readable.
12.18
